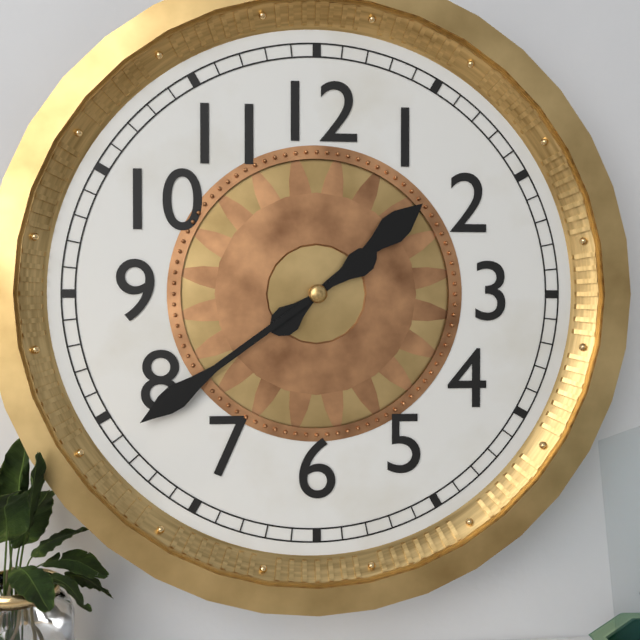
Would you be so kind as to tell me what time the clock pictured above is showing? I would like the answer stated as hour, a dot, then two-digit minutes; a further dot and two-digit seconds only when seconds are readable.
1.39
